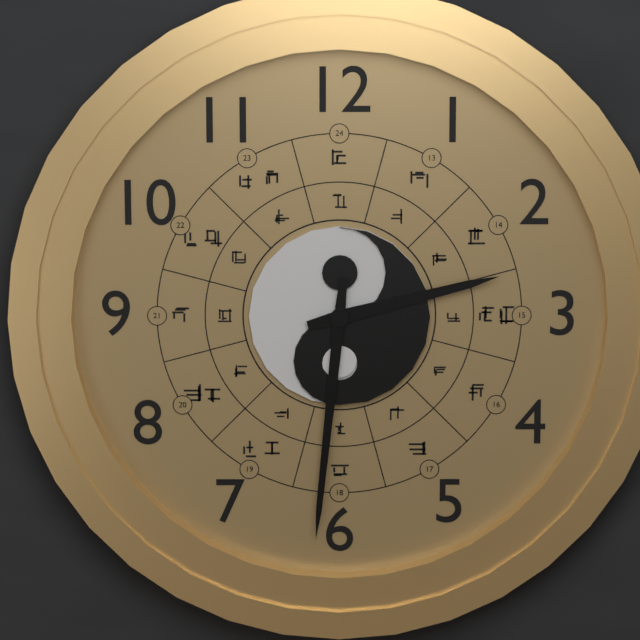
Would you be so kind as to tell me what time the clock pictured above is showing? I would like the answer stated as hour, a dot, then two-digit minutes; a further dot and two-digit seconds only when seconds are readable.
2.31
